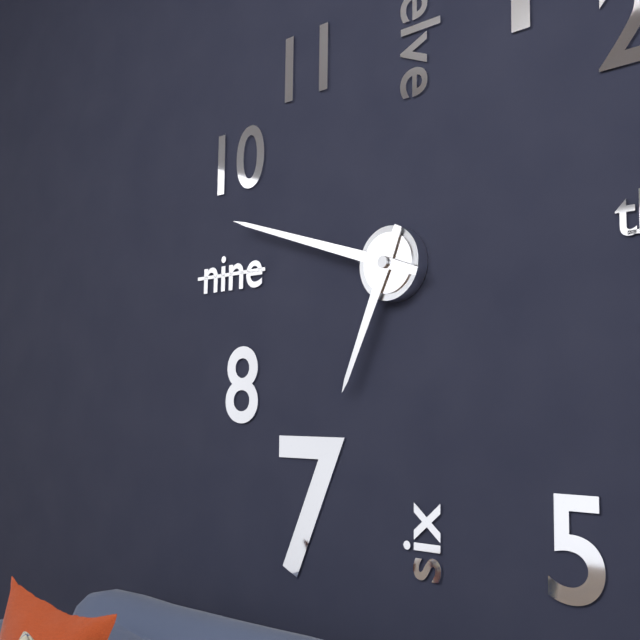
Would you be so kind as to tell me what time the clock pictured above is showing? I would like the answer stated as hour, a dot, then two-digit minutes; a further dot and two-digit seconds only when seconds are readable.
6.48
